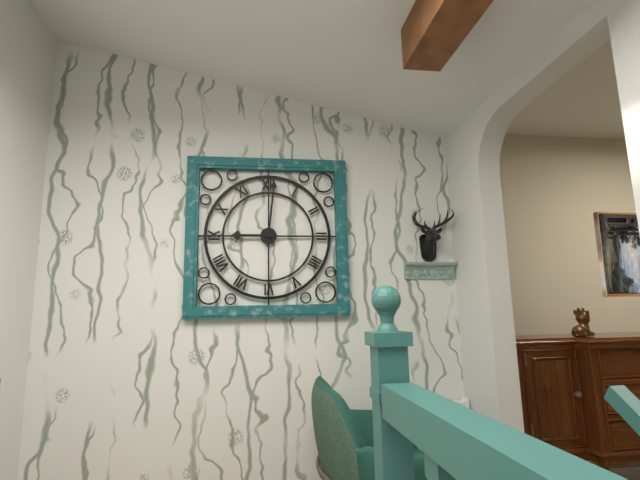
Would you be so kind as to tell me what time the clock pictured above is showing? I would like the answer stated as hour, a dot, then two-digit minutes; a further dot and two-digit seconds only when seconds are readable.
9.01
